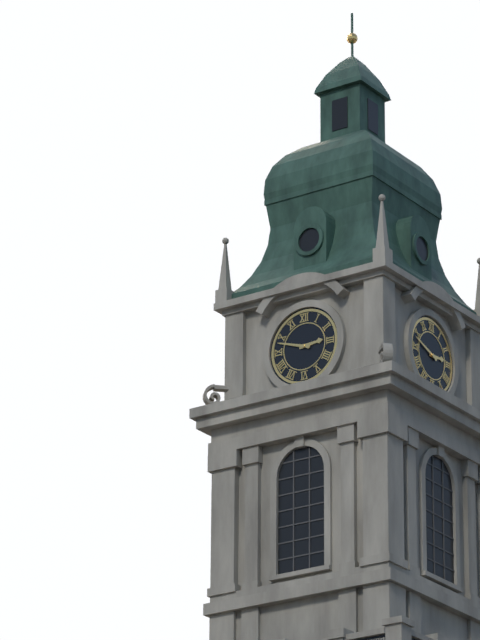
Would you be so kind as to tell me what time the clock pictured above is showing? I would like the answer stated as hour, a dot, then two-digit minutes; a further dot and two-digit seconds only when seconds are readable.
2.48
